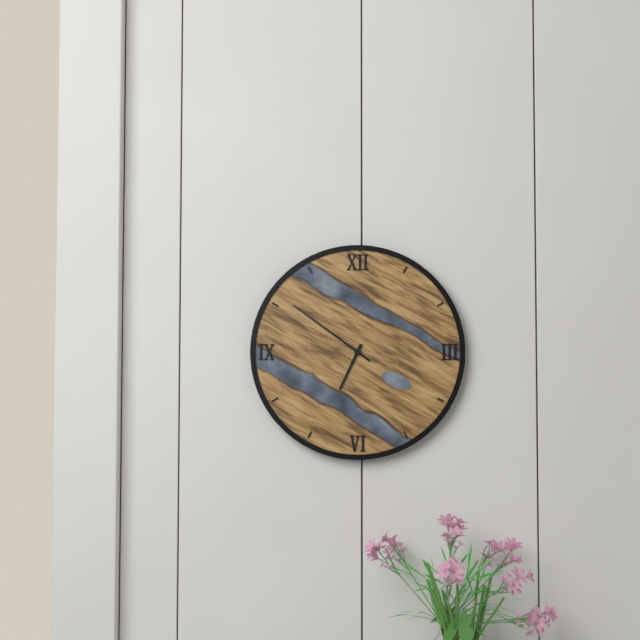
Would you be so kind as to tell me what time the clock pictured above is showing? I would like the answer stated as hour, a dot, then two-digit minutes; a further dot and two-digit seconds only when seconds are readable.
6.51
